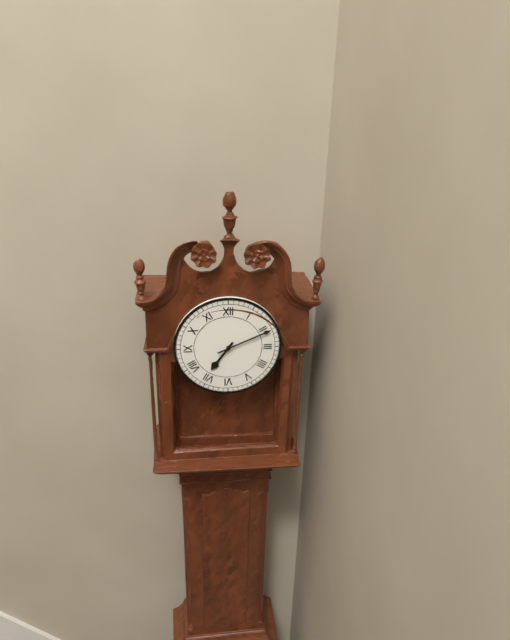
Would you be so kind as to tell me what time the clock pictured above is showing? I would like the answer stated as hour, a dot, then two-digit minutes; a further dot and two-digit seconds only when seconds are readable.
7.11
